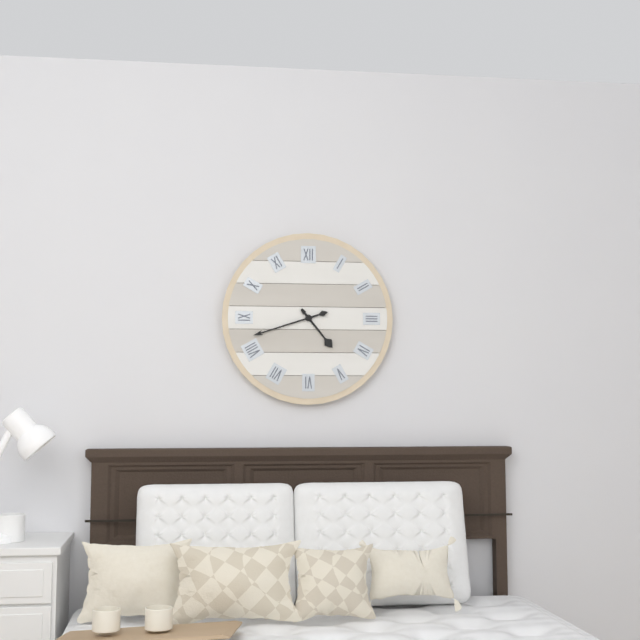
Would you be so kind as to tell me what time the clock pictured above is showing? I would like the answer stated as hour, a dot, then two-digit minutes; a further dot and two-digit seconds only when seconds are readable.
4.42
